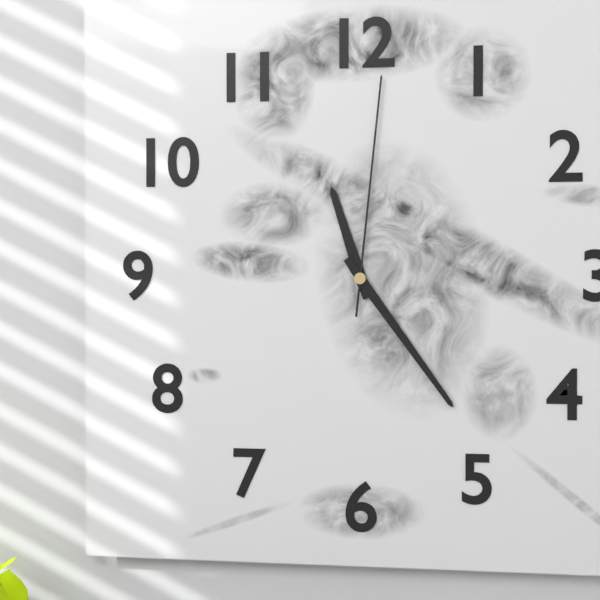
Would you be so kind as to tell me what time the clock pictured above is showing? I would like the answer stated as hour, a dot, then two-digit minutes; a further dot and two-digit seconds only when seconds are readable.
11.24.01
